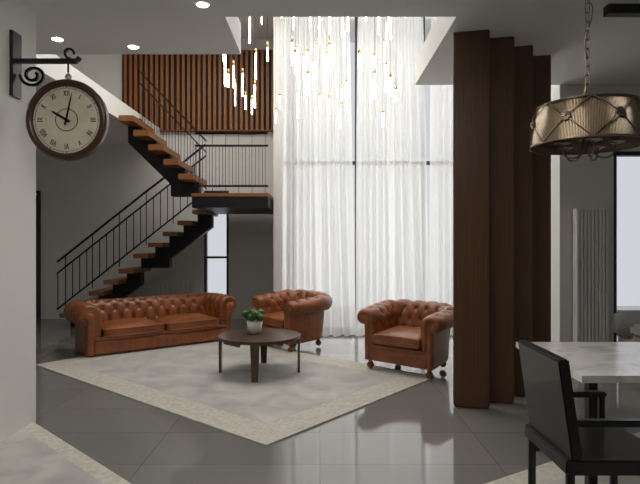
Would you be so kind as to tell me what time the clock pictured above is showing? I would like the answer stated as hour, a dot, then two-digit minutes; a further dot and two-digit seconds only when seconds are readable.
10.02
